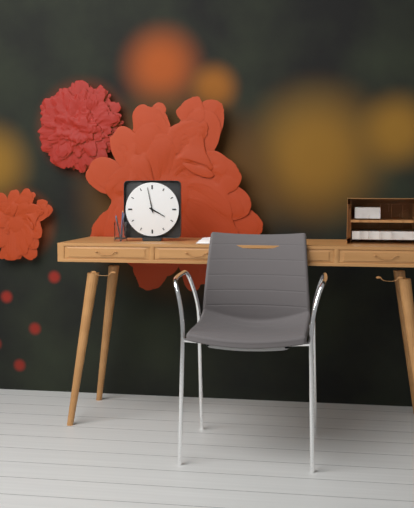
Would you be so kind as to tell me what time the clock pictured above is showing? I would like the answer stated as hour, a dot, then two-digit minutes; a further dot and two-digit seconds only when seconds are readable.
3.58
